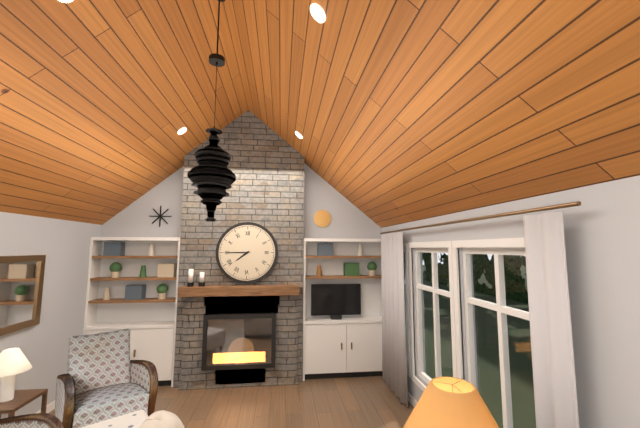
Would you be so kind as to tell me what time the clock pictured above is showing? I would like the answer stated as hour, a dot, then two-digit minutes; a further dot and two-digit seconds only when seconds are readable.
7.45
